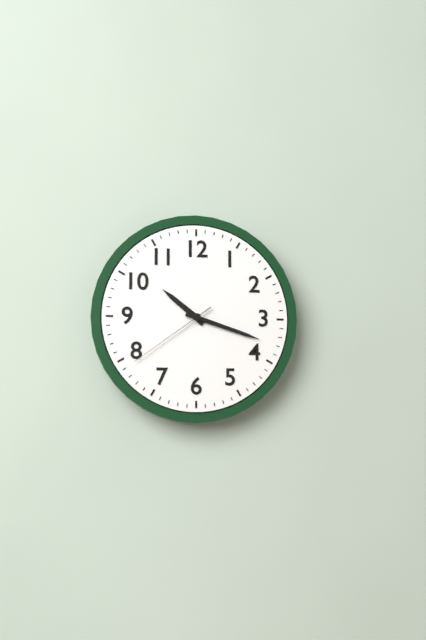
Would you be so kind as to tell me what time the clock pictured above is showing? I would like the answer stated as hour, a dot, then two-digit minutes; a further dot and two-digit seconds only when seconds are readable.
10.18.39
